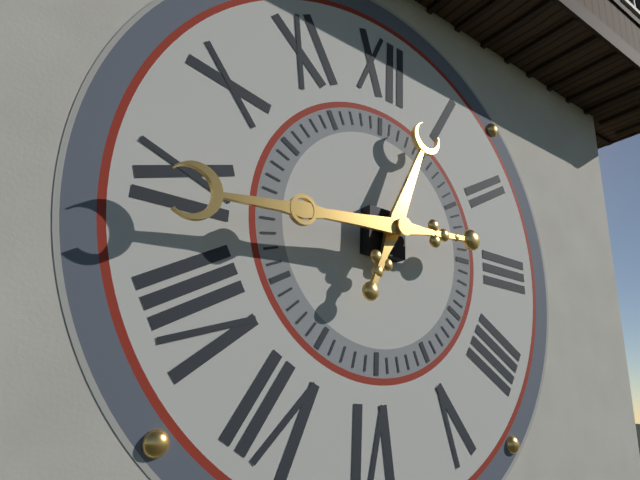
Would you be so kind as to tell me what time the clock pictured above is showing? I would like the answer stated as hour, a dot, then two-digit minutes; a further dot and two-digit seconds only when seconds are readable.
12.44
